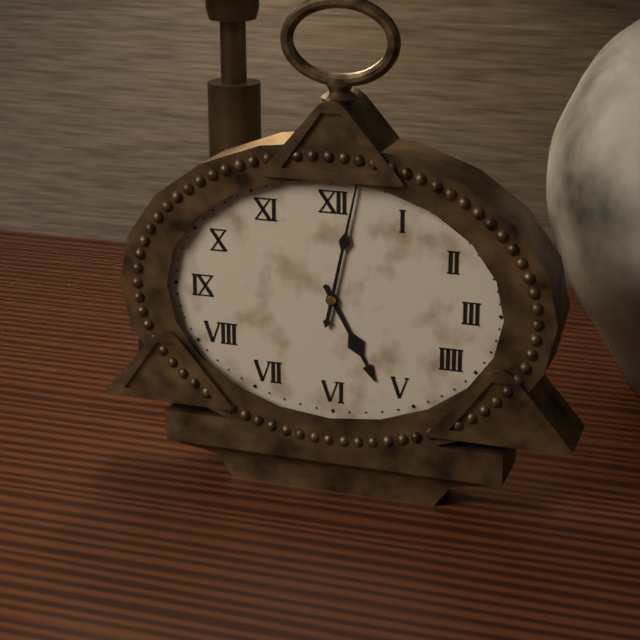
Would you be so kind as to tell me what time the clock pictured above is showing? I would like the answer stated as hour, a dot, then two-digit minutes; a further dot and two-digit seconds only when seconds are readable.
5.02
